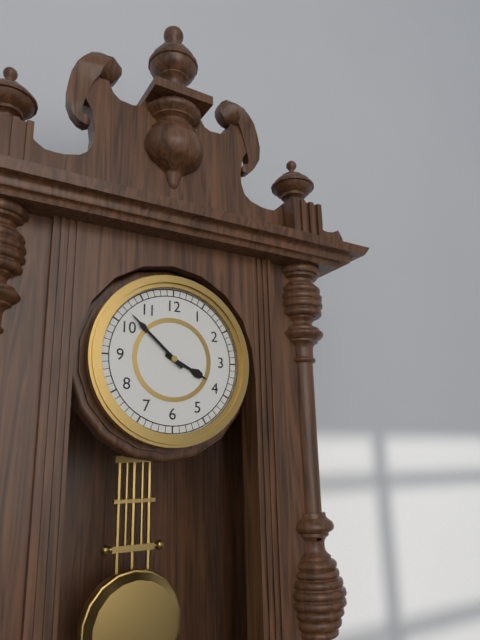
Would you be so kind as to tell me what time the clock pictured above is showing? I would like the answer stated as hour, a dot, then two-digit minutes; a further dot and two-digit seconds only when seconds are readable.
3.52
